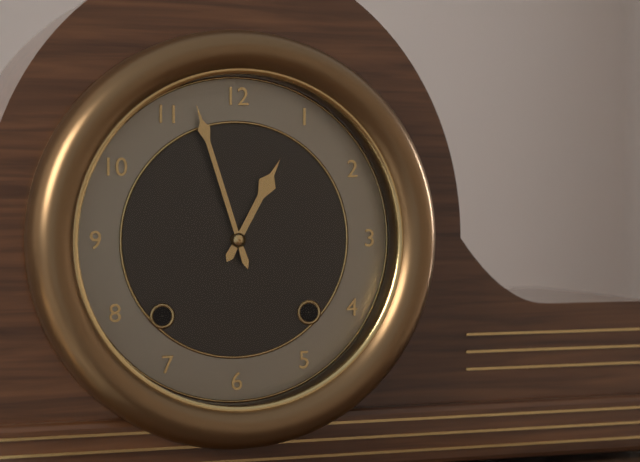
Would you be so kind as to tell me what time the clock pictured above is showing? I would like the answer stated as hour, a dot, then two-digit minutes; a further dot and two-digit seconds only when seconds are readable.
12.57
